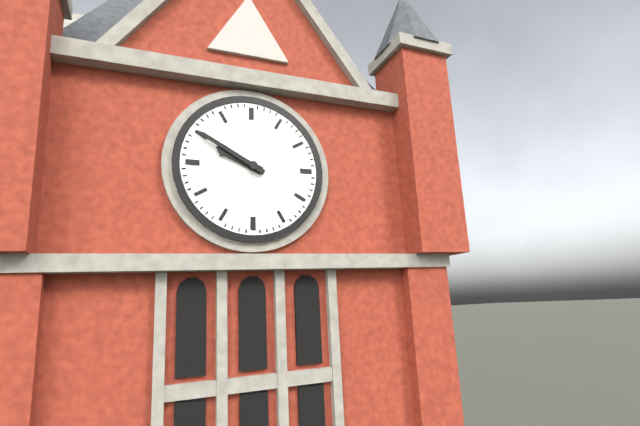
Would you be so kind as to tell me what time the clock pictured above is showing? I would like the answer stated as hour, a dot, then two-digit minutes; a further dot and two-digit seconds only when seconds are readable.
9.50
